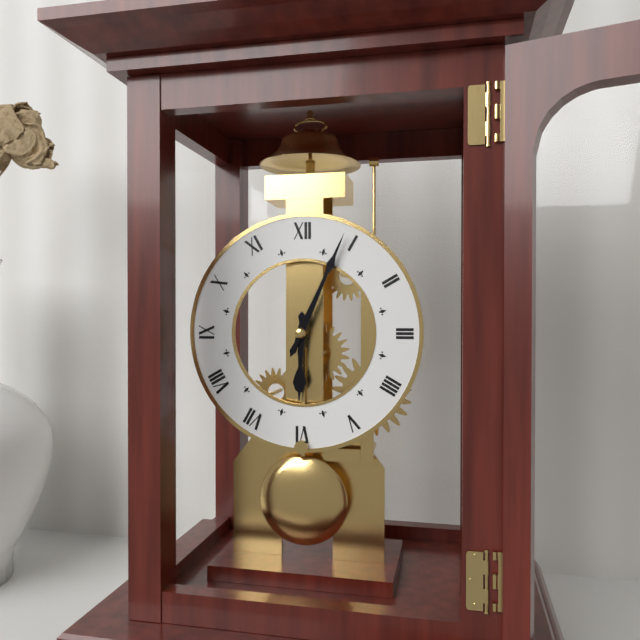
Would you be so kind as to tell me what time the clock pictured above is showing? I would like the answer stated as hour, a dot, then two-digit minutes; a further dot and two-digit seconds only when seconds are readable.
6.04
